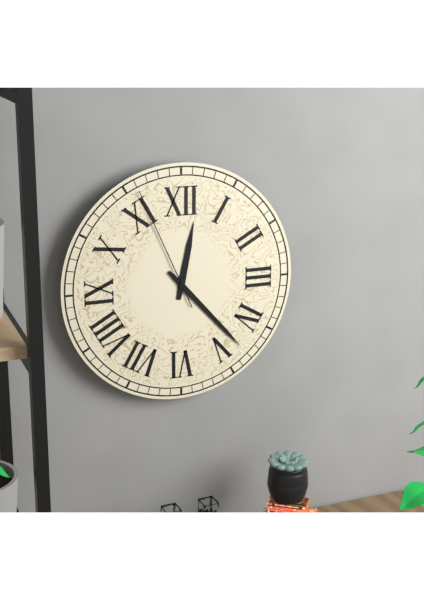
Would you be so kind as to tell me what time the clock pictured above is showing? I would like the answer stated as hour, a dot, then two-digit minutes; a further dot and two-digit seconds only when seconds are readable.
12.23.56
